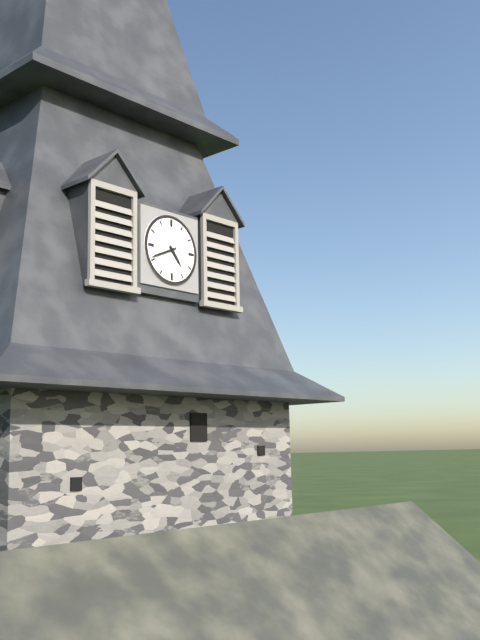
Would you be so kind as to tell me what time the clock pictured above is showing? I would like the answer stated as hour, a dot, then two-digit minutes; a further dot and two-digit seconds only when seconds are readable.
4.41
